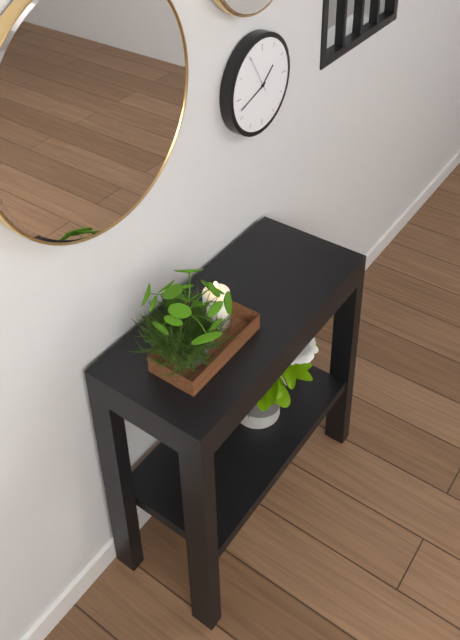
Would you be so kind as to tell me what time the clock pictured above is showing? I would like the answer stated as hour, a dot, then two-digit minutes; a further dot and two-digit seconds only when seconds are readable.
1.42
